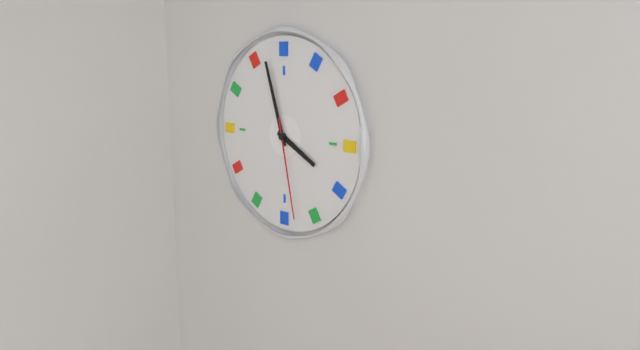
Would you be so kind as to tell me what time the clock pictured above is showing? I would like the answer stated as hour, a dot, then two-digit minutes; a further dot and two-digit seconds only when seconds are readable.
3.57.28
